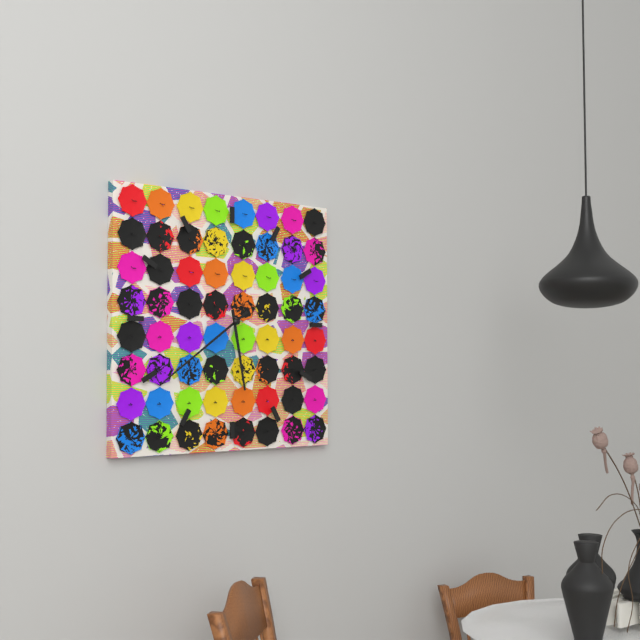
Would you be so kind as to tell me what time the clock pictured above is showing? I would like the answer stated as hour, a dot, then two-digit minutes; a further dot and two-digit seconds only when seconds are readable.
5.39
